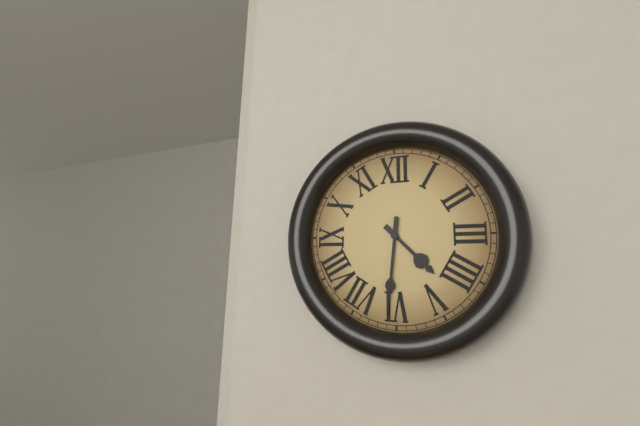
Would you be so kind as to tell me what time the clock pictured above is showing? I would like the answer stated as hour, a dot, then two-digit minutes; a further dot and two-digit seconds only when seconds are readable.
4.31
